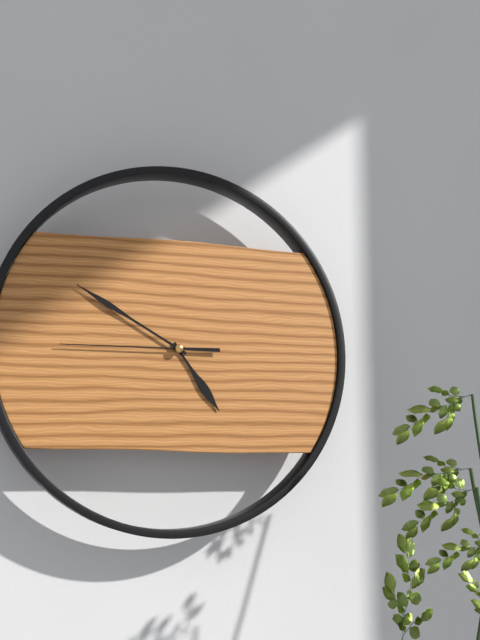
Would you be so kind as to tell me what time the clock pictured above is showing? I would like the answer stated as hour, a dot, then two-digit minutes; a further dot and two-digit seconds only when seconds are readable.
4.50.45
